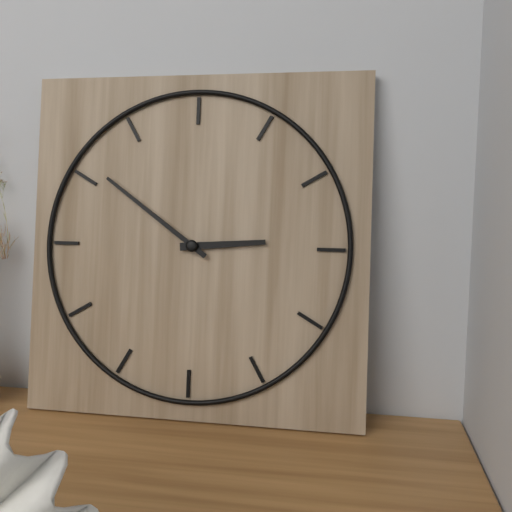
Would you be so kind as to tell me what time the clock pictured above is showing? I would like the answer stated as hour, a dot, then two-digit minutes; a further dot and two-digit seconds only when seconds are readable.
2.51
